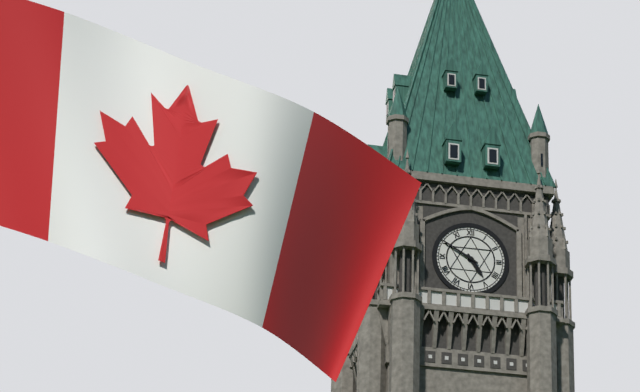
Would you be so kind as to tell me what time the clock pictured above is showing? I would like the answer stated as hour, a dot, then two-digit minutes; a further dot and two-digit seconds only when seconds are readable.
4.50
